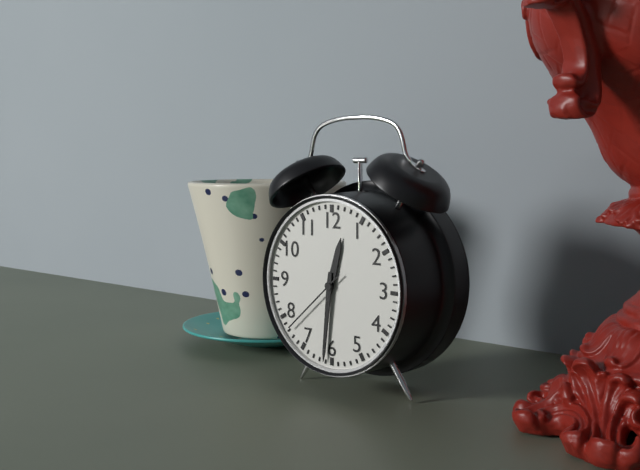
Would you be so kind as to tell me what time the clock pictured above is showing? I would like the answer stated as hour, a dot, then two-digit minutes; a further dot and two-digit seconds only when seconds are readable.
12.31.38
